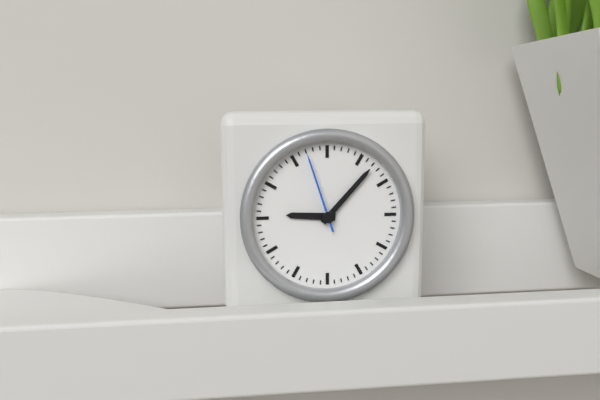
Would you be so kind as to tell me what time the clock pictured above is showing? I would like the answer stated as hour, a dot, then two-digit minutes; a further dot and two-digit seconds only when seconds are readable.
9.07.57
